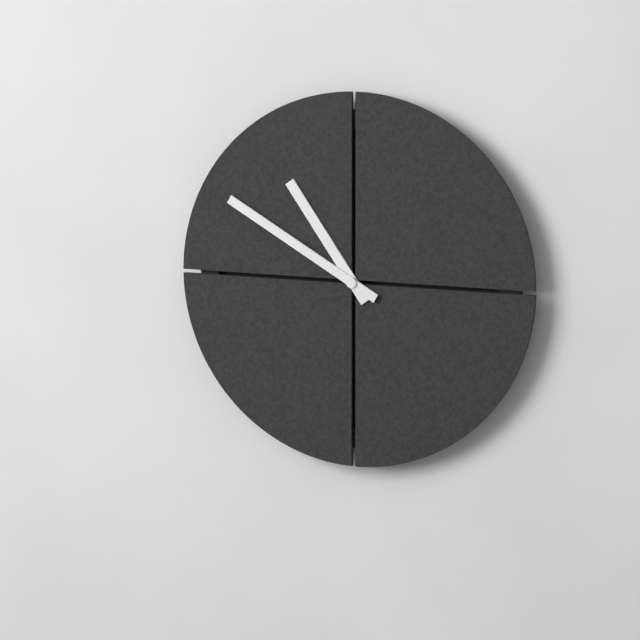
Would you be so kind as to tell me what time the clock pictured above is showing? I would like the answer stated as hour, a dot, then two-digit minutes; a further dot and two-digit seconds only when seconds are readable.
10.50
